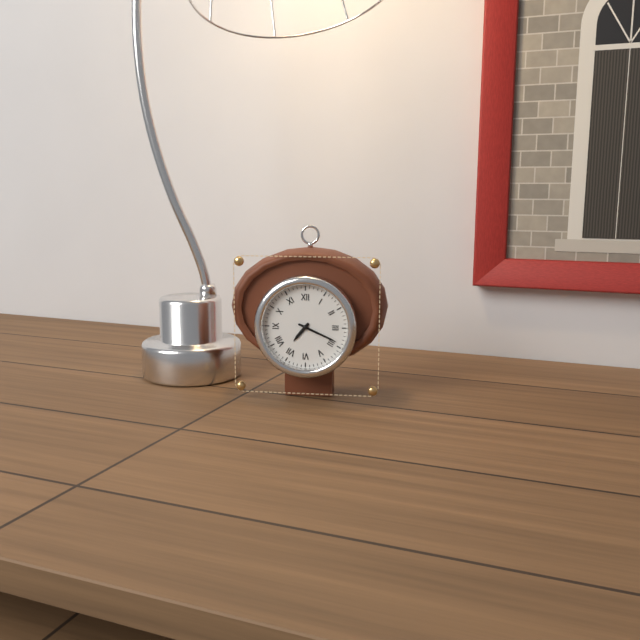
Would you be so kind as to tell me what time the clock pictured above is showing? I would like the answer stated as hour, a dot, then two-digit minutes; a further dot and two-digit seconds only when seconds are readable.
7.19
